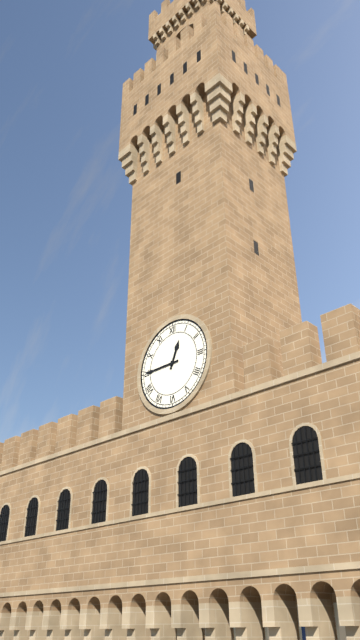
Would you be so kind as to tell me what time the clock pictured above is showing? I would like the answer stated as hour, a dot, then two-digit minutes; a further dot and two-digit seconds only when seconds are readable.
12.45
